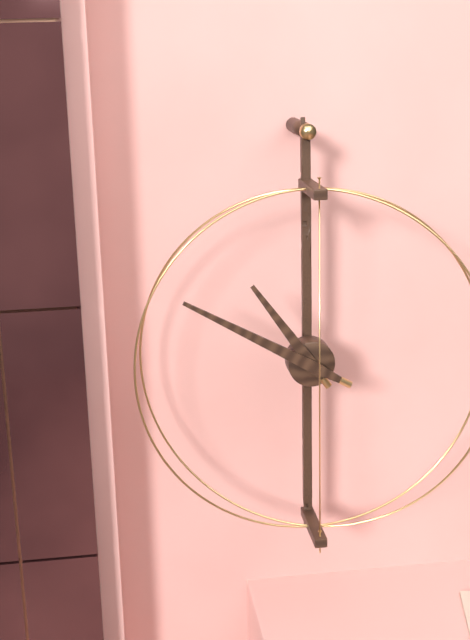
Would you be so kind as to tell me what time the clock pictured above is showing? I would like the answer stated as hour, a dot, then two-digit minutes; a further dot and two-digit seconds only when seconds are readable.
10.50
